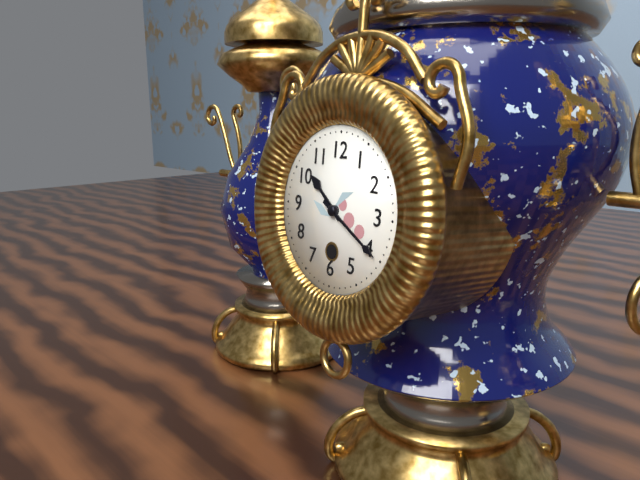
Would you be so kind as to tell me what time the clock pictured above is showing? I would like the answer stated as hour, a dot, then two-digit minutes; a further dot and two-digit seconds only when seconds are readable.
10.20
